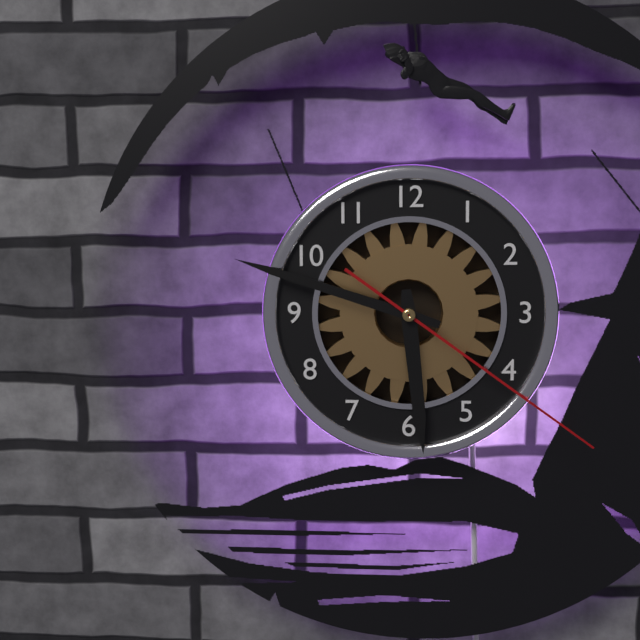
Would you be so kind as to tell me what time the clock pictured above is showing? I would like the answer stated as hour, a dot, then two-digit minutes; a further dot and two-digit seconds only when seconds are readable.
5.48.21
